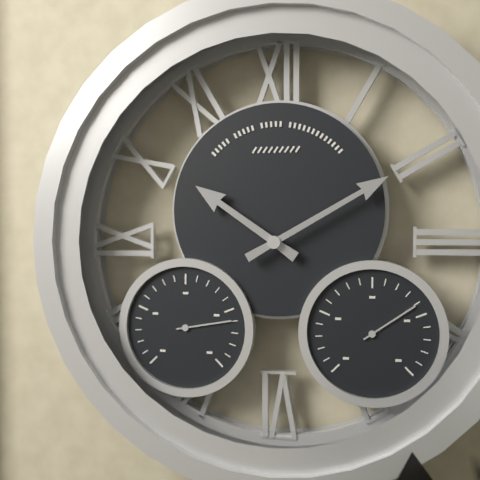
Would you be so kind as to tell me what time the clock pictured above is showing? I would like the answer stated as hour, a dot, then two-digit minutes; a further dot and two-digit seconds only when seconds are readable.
10.10
